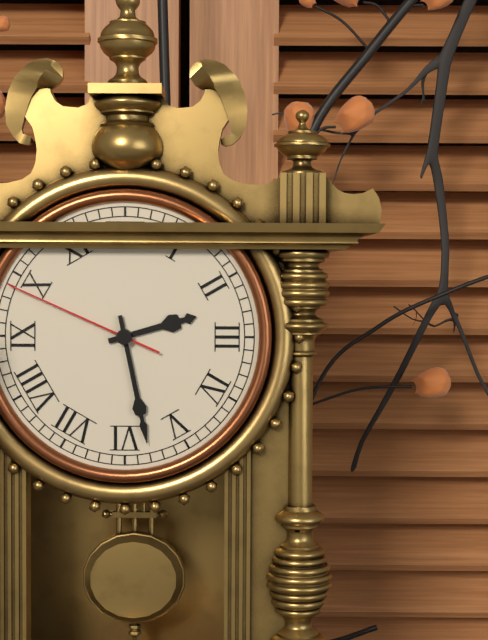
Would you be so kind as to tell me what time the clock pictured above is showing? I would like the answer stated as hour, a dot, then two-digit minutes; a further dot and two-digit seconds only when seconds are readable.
2.28.49
